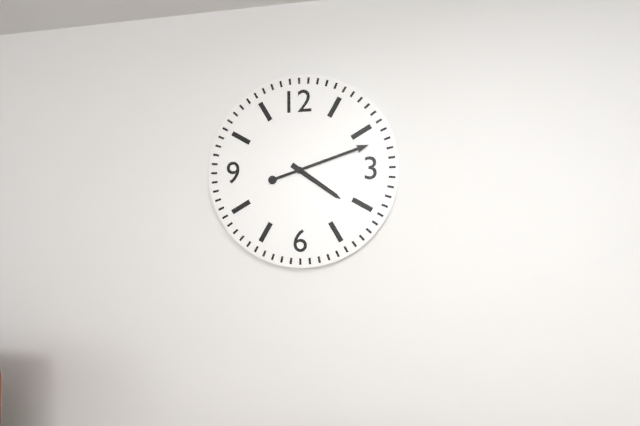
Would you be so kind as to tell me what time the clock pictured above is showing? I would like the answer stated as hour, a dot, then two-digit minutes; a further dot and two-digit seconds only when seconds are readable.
4.12
